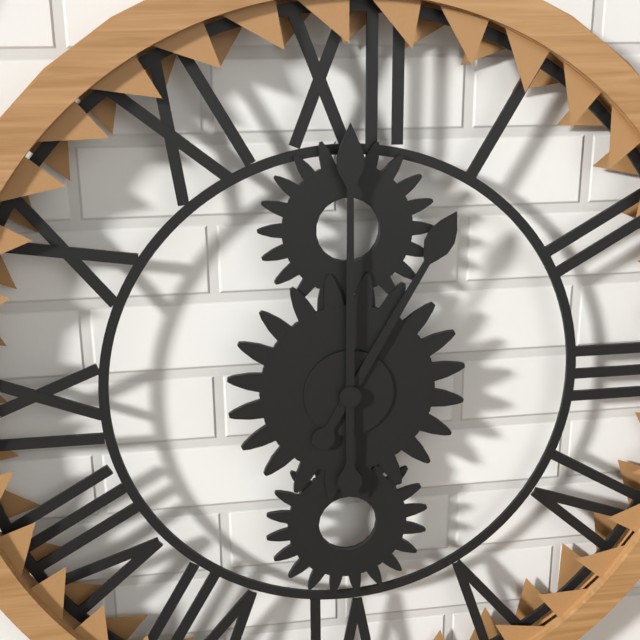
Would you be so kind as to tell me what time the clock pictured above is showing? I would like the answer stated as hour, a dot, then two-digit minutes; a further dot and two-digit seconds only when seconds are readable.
1.00
